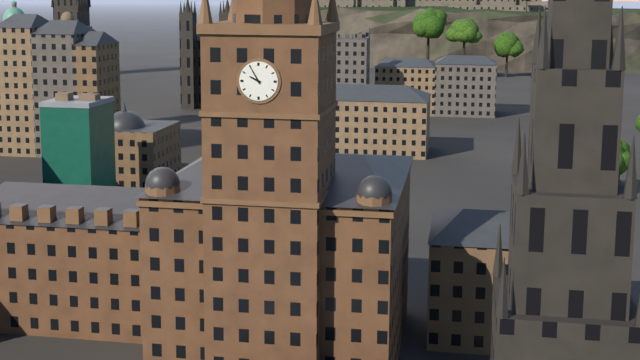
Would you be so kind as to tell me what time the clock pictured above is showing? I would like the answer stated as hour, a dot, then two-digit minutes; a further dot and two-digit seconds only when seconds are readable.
9.55
